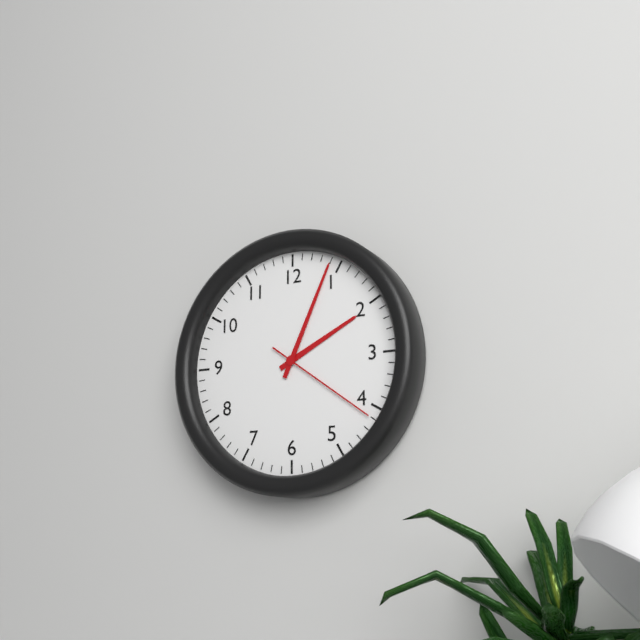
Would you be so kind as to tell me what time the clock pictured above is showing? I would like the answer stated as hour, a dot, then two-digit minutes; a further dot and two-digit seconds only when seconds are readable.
2.04.21
